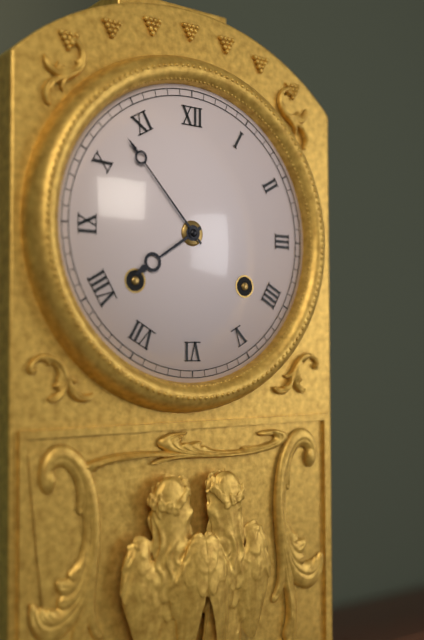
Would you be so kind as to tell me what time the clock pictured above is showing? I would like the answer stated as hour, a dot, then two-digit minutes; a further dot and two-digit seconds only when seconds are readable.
7.53
